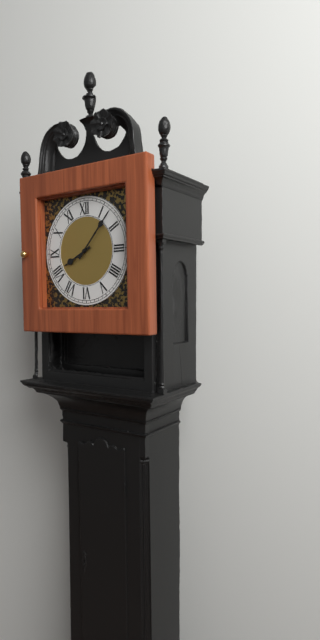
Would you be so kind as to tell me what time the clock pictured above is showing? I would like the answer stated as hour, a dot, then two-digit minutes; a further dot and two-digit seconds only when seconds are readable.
8.07
